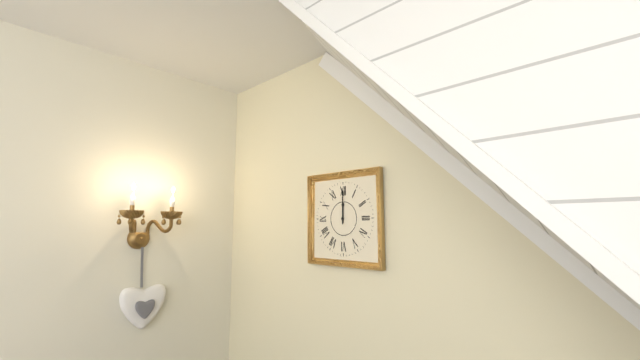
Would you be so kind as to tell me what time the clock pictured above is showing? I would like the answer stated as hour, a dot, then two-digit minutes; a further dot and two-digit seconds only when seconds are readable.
12.00
